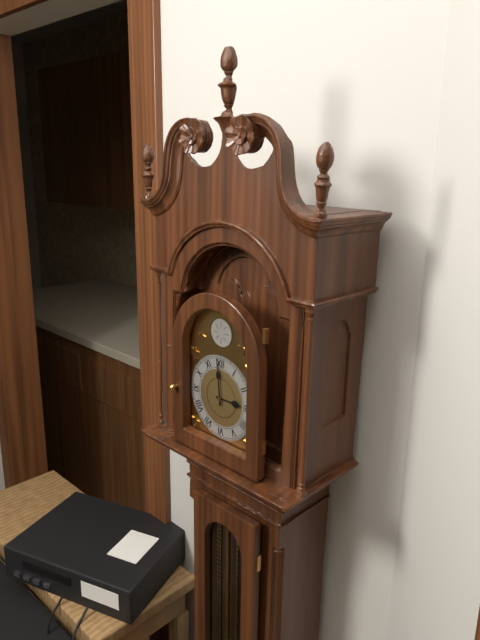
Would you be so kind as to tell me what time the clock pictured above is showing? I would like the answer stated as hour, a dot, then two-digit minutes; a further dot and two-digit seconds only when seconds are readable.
2.59
